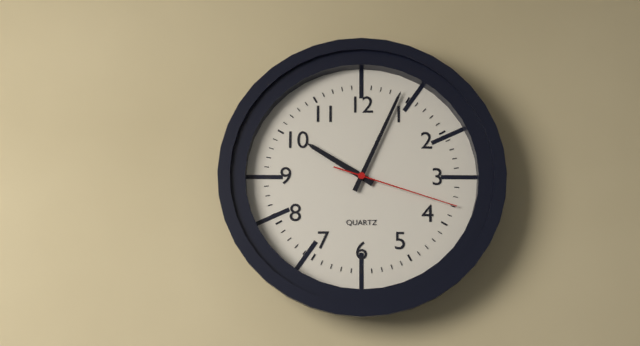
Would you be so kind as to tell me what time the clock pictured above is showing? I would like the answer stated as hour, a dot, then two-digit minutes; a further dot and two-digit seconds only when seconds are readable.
10.04.18
